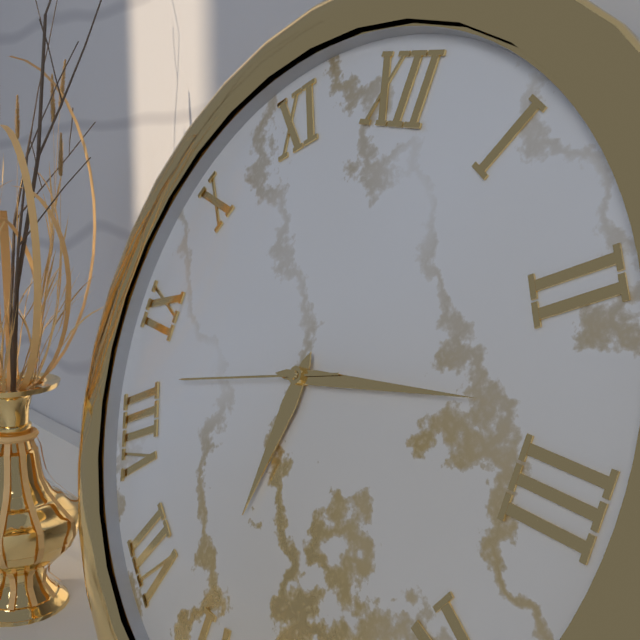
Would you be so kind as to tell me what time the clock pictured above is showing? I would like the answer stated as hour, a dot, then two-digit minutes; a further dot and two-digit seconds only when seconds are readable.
6.13.42
